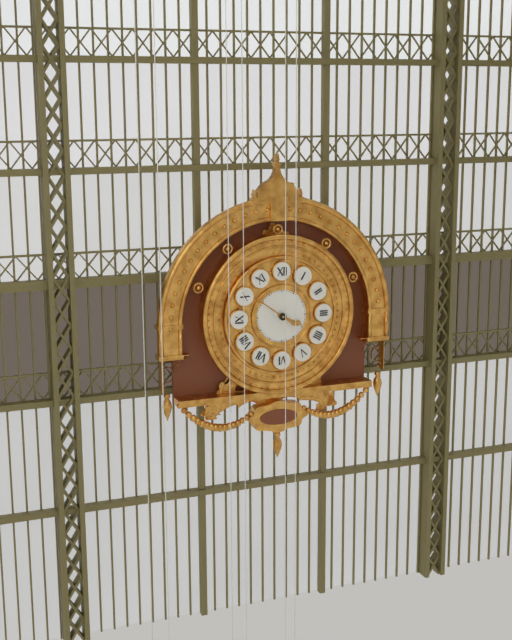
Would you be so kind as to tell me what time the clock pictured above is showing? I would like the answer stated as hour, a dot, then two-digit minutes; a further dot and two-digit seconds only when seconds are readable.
3.51
